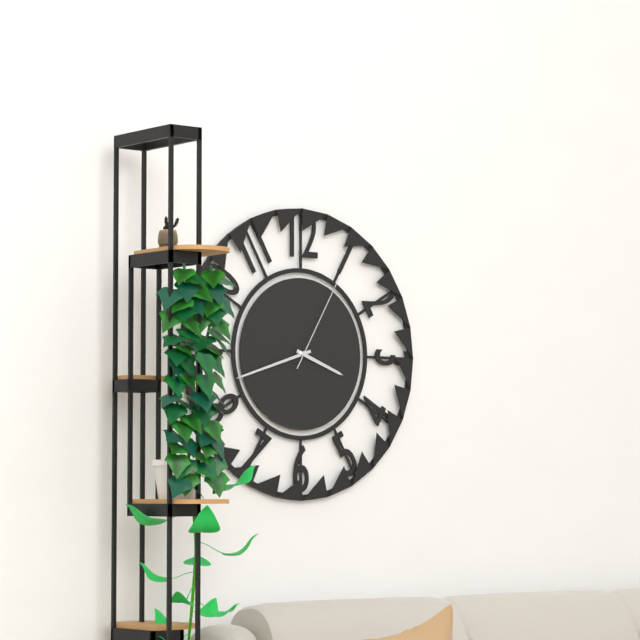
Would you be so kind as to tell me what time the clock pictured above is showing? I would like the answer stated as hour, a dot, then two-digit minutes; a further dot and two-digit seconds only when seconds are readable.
3.42.05
